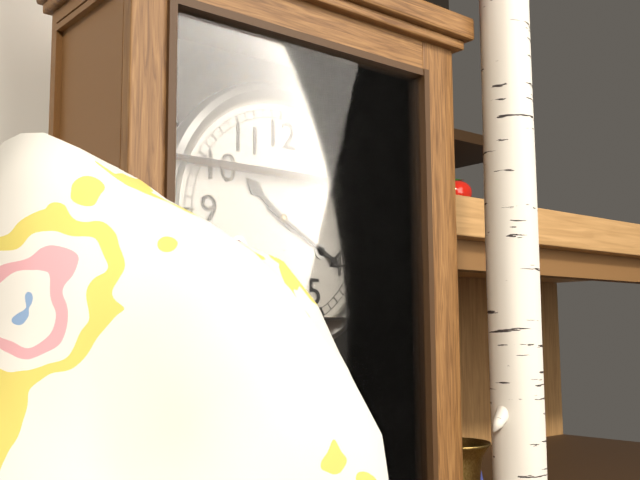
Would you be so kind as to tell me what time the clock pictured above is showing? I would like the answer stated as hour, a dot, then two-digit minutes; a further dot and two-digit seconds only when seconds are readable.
10.20
